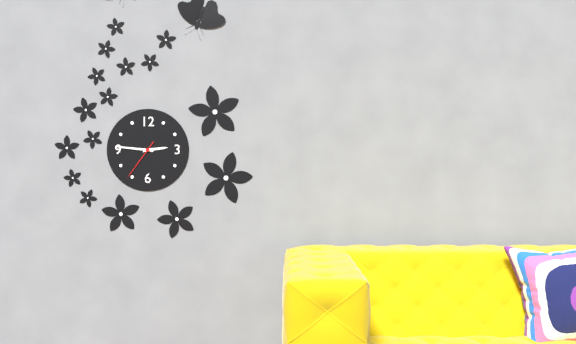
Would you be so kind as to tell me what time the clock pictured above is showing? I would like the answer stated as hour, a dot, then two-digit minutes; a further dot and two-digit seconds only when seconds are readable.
2.46
